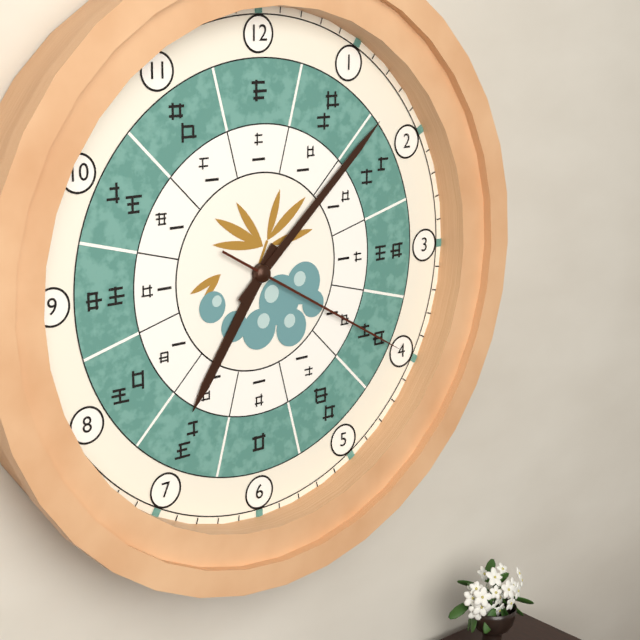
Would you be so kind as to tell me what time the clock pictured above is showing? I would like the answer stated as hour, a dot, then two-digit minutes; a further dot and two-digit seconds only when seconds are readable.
7.08.20
